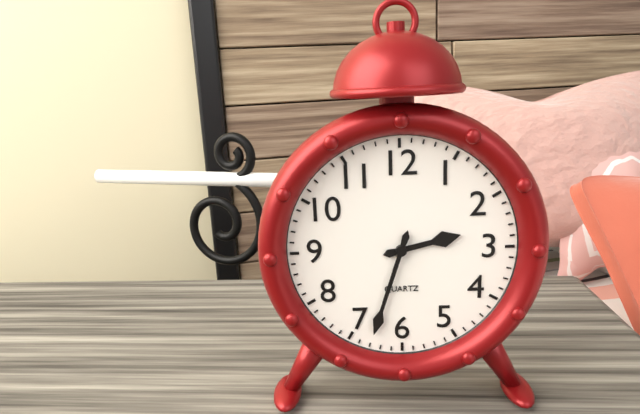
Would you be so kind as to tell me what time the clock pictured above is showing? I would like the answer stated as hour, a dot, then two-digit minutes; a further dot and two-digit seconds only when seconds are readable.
2.33
